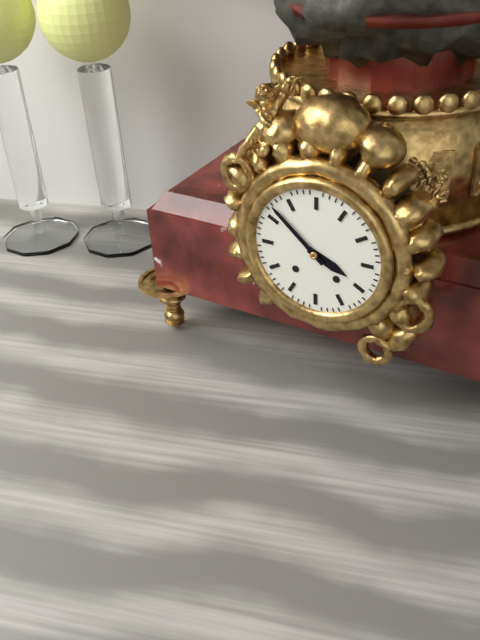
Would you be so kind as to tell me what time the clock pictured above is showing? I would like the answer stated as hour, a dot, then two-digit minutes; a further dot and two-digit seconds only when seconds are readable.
3.52
